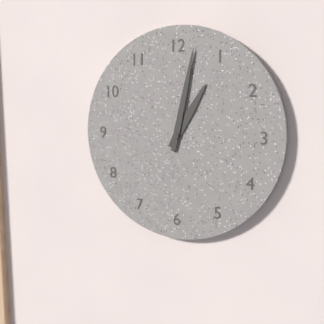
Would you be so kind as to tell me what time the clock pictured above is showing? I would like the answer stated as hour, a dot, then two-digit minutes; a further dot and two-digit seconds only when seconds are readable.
1.02
